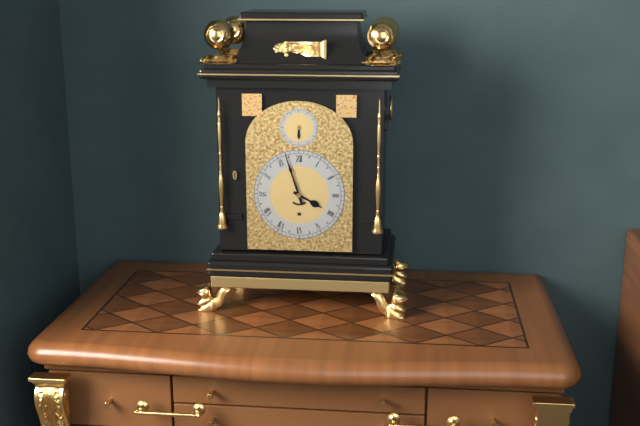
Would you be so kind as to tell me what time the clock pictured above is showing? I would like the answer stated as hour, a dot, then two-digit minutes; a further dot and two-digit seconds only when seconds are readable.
3.57
